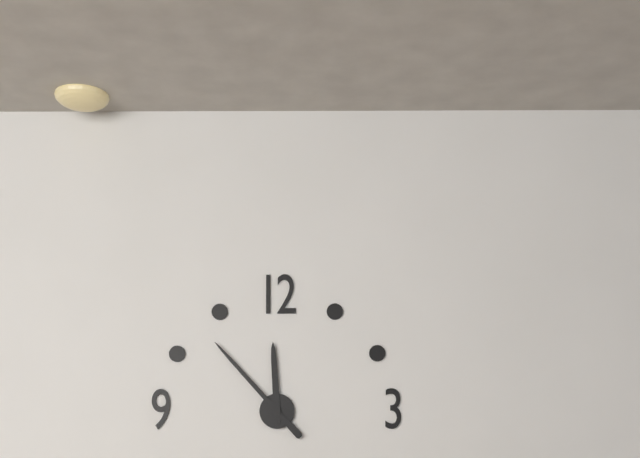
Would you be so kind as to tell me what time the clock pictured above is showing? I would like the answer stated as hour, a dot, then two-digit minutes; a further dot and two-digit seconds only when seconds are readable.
11.53
